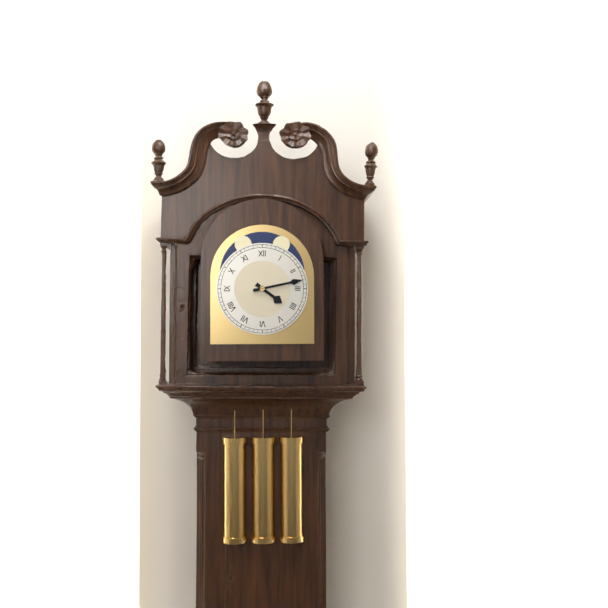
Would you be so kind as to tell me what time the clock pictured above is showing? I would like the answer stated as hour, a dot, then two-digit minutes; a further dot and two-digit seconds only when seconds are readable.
4.13
